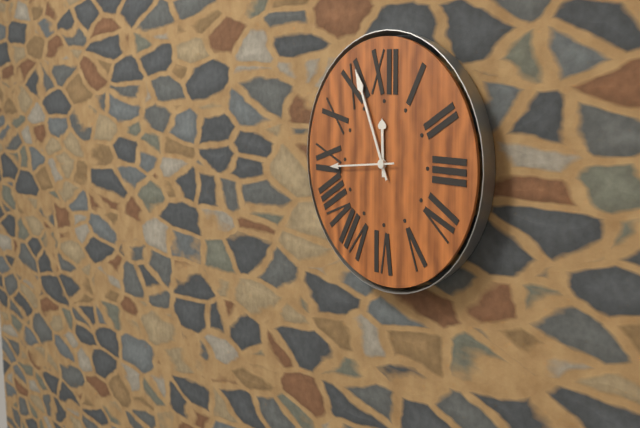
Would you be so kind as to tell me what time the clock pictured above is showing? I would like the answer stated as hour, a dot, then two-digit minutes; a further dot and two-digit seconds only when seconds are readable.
11.56.44
